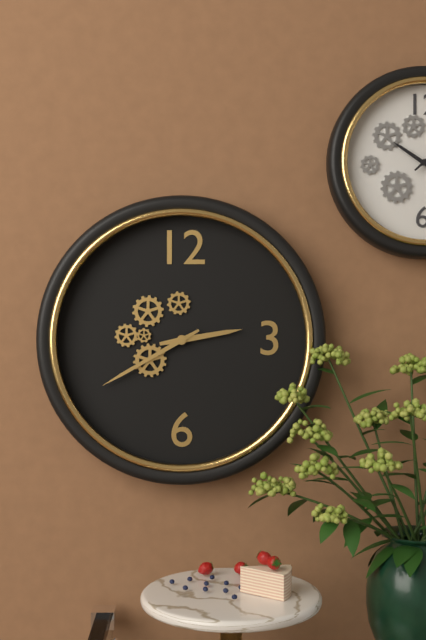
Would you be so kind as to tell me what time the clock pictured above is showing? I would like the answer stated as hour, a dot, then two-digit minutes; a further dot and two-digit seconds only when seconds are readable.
2.40
